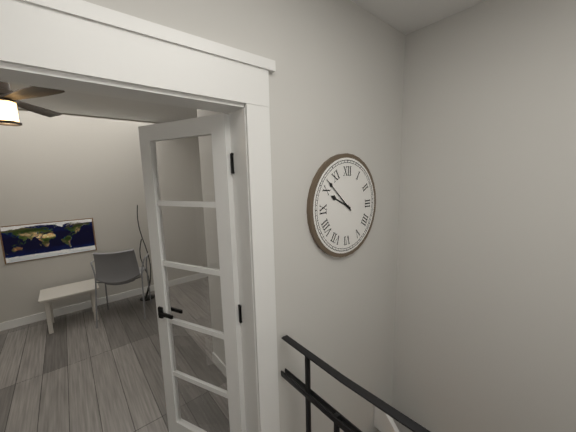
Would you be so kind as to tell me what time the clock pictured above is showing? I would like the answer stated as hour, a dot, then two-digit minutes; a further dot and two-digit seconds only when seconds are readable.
9.52
